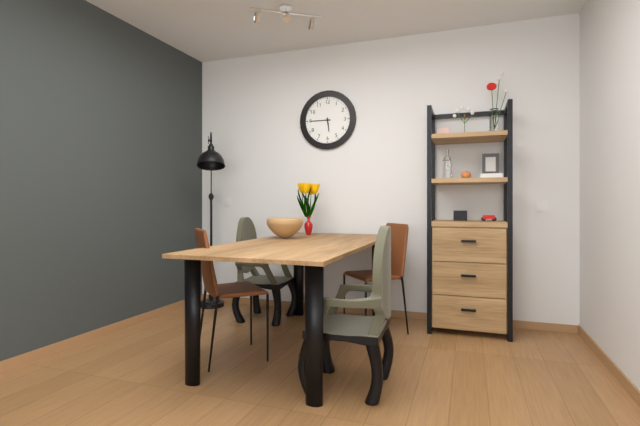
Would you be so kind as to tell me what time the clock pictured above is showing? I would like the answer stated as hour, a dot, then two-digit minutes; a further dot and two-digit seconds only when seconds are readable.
5.45
